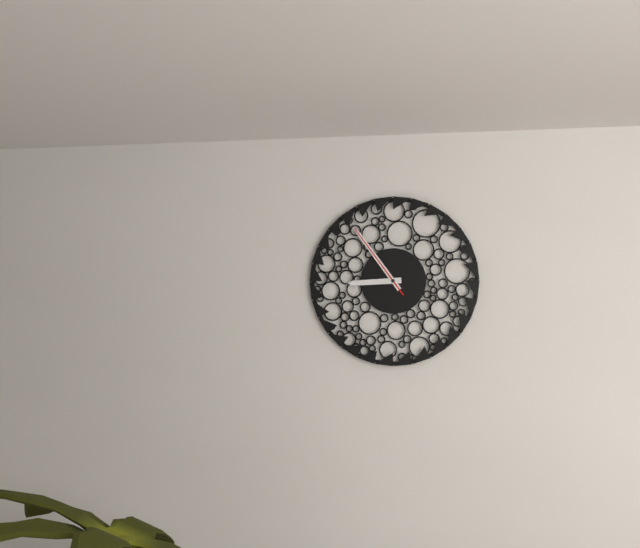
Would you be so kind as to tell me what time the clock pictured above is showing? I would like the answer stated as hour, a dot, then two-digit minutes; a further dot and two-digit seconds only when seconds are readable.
8.54.54
